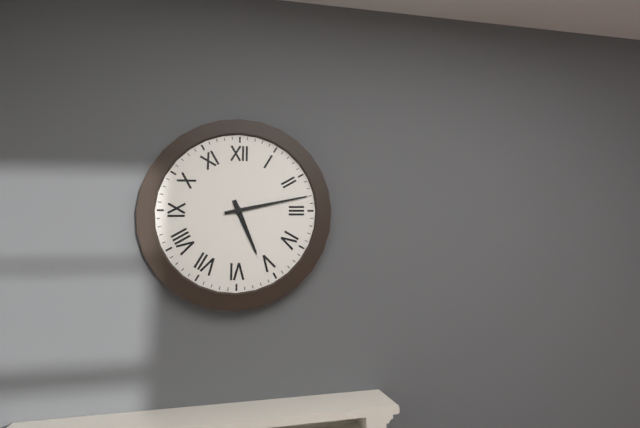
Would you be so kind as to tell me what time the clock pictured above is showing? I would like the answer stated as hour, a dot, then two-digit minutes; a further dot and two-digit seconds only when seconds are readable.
5.13
